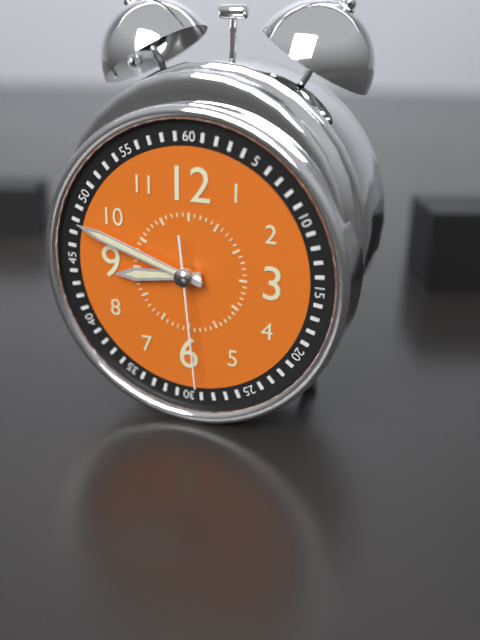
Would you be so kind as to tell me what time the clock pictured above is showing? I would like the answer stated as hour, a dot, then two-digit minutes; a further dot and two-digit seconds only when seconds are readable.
8.48.29
